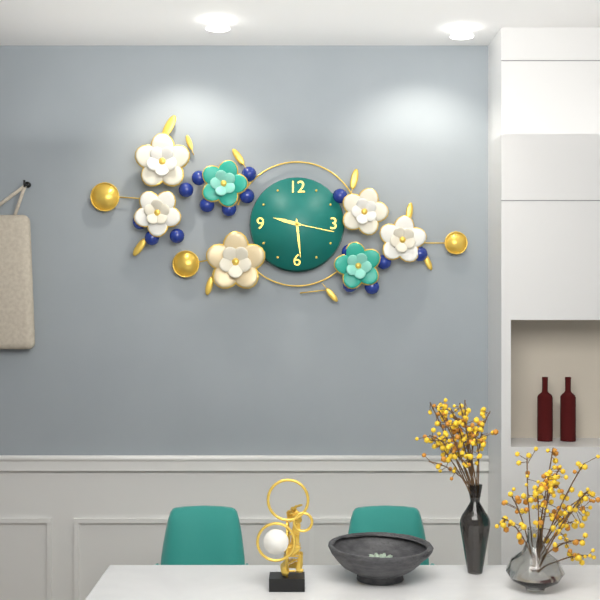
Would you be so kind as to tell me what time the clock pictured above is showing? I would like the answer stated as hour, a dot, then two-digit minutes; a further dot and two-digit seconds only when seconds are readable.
9.29
